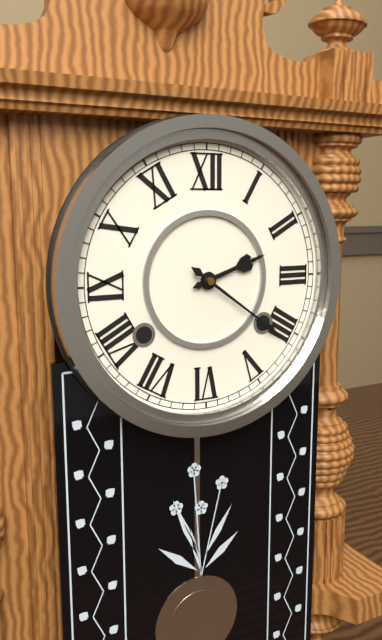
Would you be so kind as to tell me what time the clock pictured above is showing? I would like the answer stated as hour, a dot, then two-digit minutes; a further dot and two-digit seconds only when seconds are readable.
2.21
